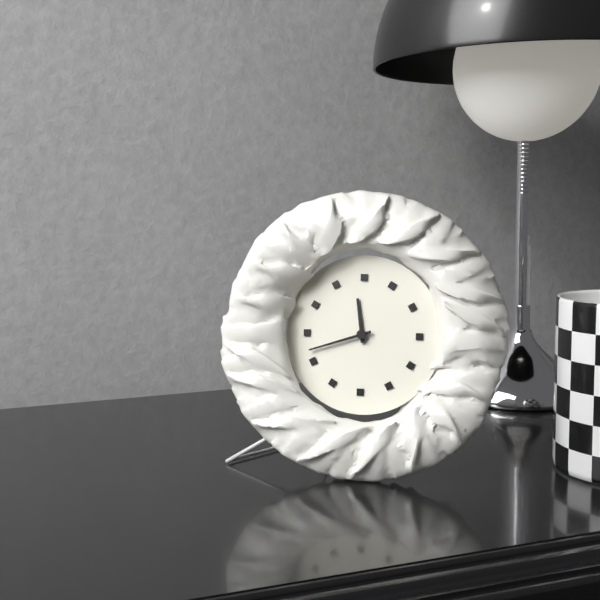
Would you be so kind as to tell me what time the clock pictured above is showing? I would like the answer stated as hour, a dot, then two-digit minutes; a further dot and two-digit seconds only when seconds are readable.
11.42
